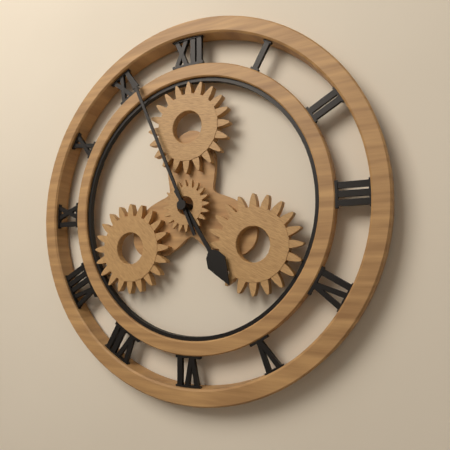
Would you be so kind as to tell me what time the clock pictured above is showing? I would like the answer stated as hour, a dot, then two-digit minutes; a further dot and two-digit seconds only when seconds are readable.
4.56
